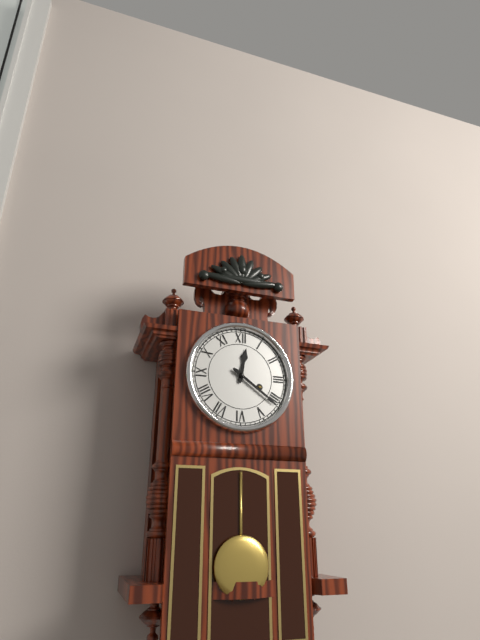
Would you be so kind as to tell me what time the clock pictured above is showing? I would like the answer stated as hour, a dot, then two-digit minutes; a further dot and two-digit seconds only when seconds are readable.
12.21
